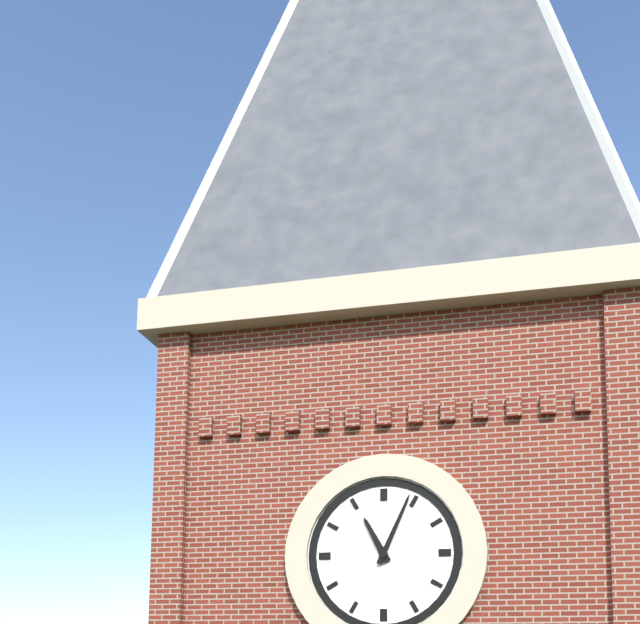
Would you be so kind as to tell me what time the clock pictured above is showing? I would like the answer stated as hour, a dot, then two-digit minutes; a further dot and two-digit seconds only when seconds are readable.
11.04
